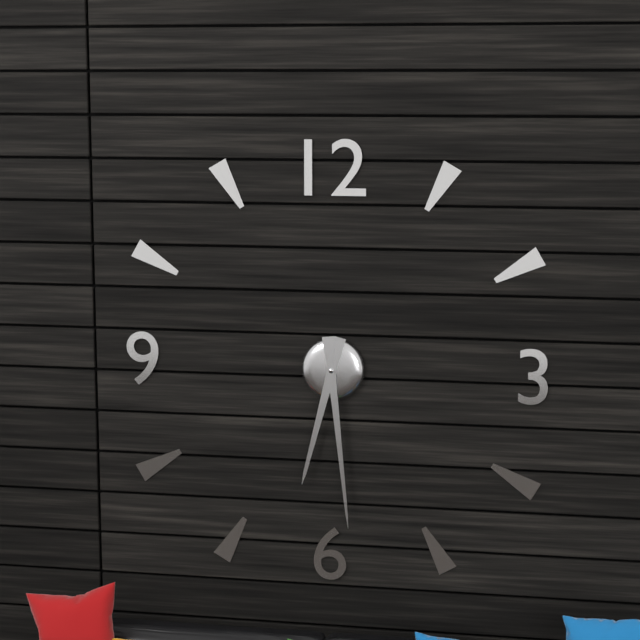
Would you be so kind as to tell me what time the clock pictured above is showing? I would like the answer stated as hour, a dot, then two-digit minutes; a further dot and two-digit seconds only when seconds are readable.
6.29
